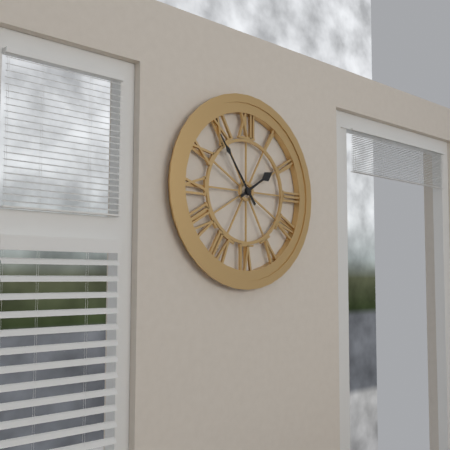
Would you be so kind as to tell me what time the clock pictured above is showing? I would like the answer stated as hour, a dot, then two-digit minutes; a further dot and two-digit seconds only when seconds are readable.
1.54
